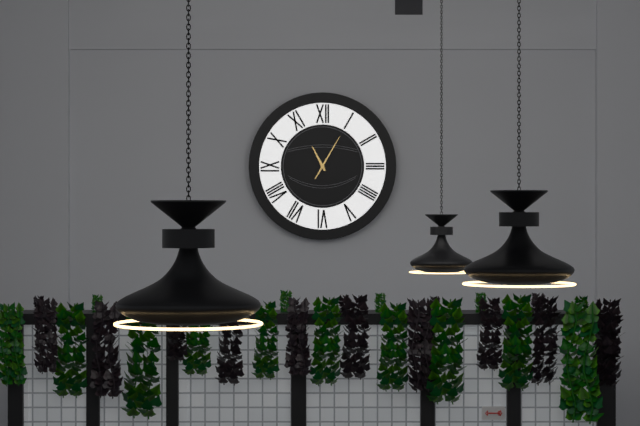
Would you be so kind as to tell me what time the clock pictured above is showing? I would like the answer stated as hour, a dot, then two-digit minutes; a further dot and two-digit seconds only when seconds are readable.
11.05
